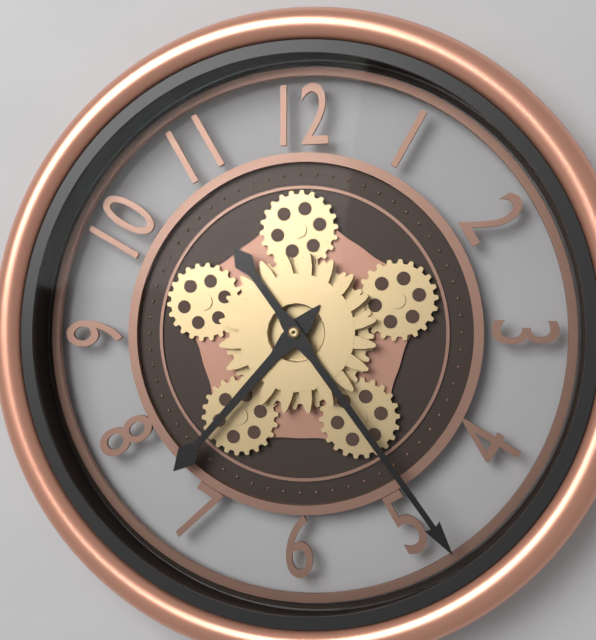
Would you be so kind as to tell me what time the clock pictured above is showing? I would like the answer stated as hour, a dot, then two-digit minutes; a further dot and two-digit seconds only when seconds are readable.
7.24
